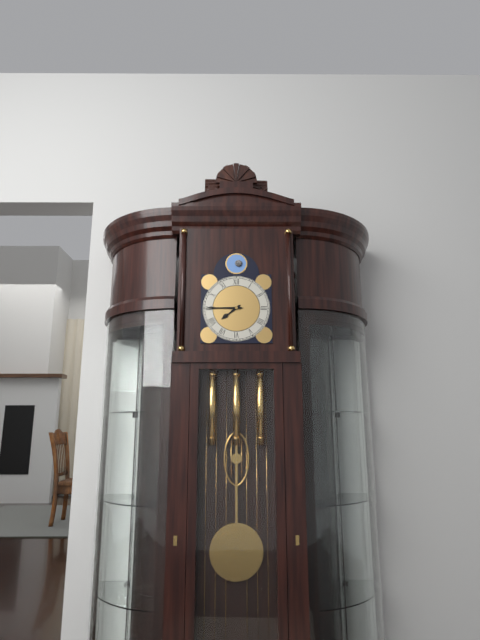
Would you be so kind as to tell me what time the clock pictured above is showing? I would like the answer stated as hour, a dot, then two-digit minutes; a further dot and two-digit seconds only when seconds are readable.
7.45
